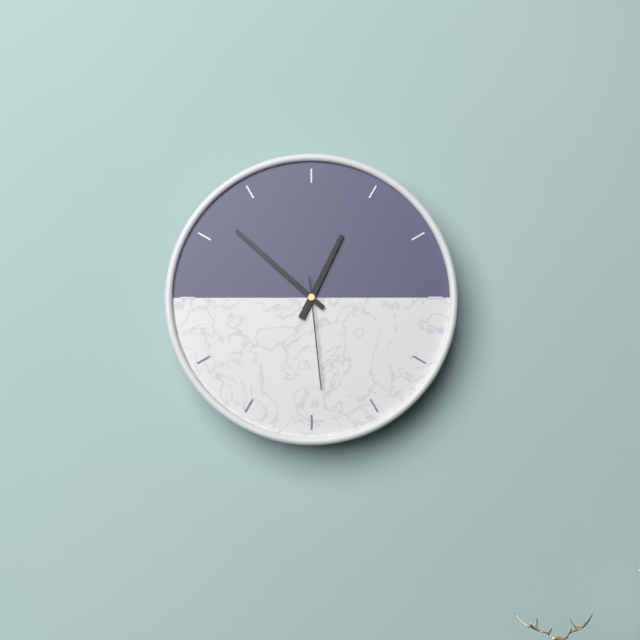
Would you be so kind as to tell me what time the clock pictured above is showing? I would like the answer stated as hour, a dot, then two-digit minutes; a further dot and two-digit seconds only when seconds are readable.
12.52.29
